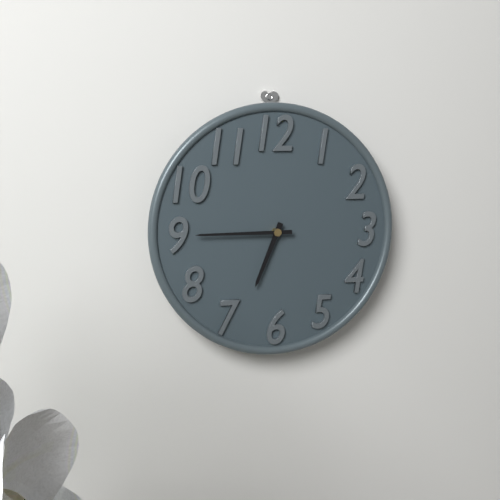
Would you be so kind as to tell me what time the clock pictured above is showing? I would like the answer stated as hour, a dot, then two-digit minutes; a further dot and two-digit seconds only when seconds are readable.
6.45
